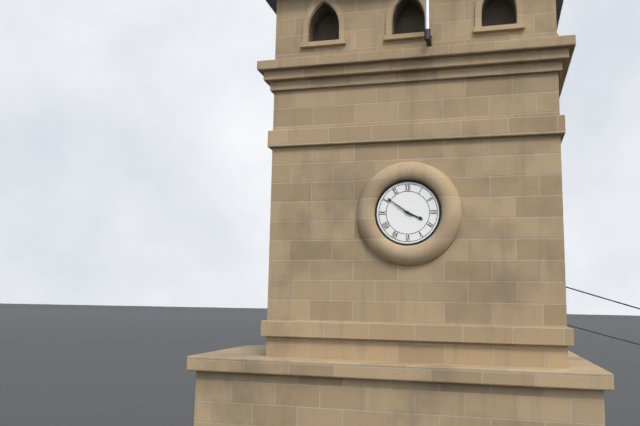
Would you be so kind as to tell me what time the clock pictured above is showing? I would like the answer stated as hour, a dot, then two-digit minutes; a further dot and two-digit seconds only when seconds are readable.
3.51
